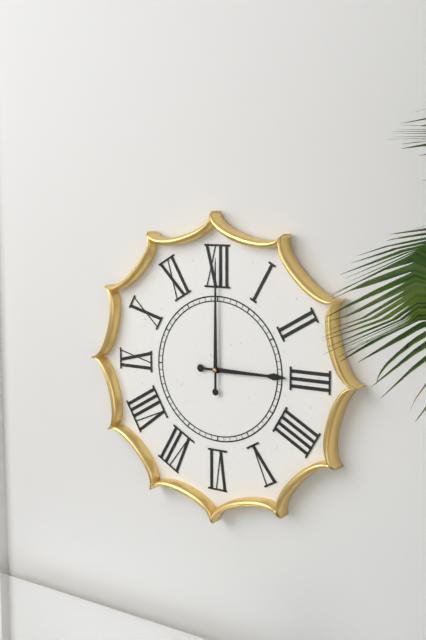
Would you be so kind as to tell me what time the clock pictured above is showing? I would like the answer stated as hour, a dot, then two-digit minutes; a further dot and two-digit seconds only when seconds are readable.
3.00
